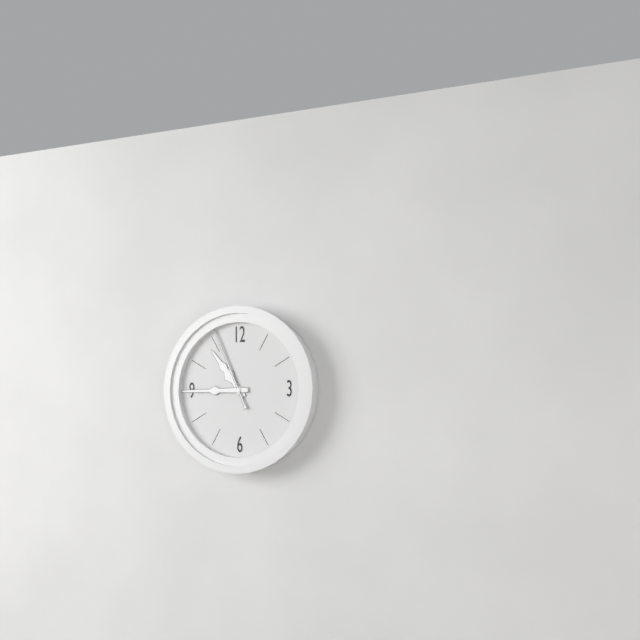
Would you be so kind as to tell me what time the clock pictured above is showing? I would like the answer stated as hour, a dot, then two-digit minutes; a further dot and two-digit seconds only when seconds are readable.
10.45.56
